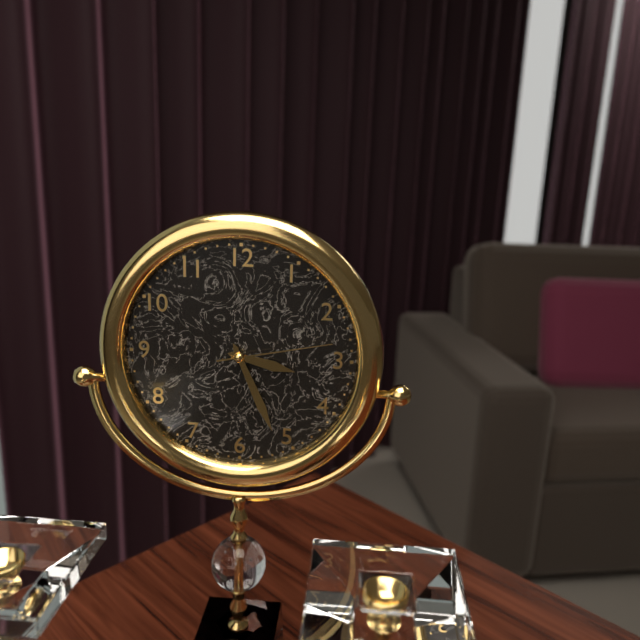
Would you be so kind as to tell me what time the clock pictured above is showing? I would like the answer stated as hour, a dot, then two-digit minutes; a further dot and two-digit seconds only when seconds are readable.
3.26.13
